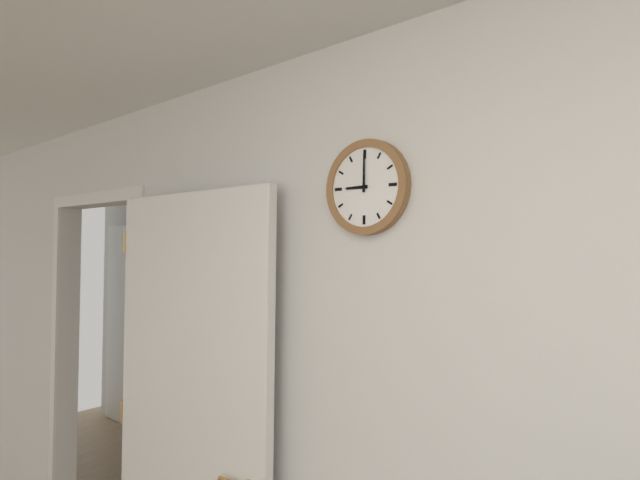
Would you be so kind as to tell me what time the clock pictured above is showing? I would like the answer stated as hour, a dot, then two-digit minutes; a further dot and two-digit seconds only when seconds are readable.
9.00
